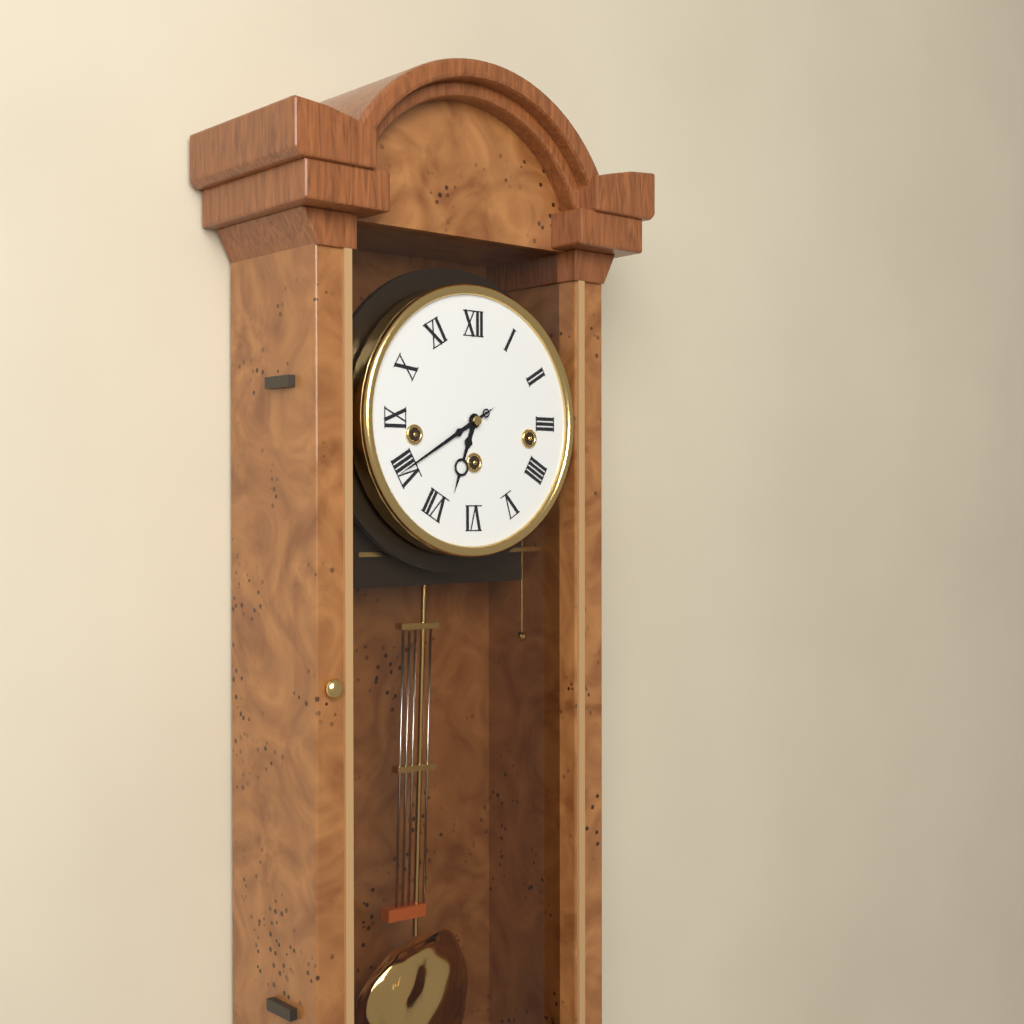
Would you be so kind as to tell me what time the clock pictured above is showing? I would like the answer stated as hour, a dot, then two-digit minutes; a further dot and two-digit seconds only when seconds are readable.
6.40
